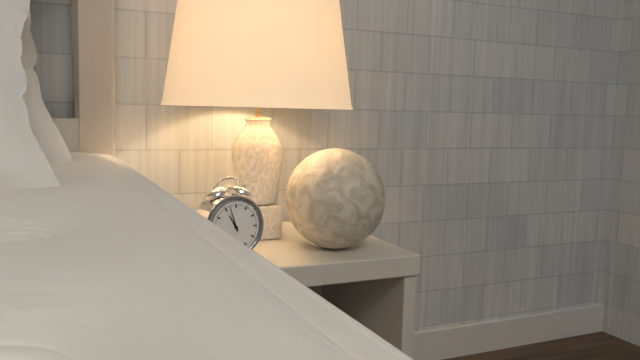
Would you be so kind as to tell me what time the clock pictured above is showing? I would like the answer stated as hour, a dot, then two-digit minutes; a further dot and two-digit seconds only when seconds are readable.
10.57
